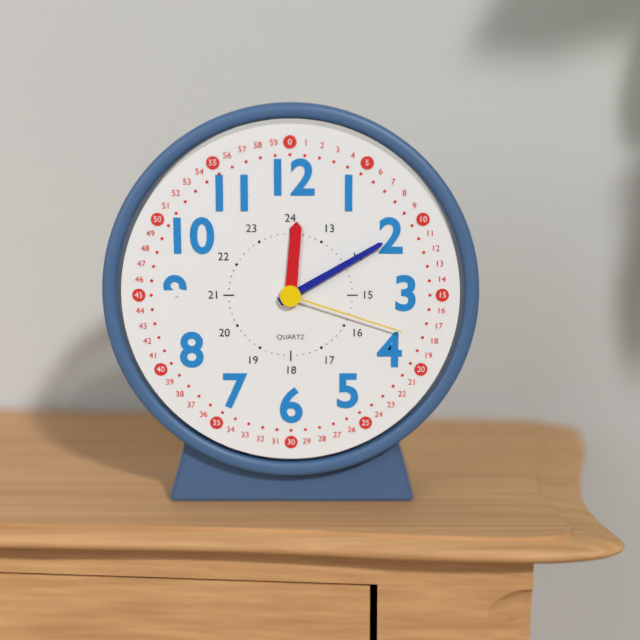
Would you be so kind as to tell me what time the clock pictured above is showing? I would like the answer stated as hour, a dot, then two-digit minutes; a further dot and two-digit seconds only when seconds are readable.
12.10.18
